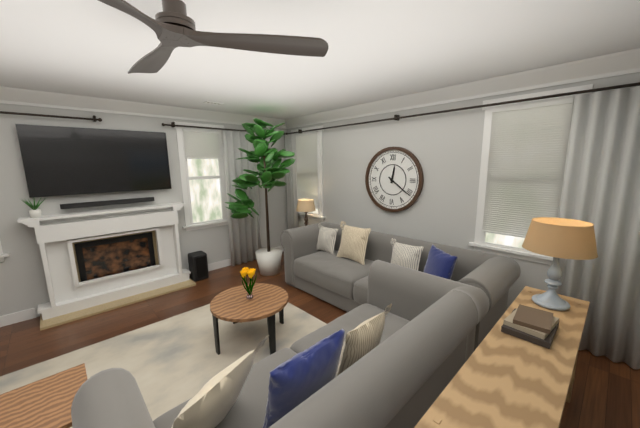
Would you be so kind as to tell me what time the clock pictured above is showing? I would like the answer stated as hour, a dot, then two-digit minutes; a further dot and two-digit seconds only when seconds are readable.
12.21
